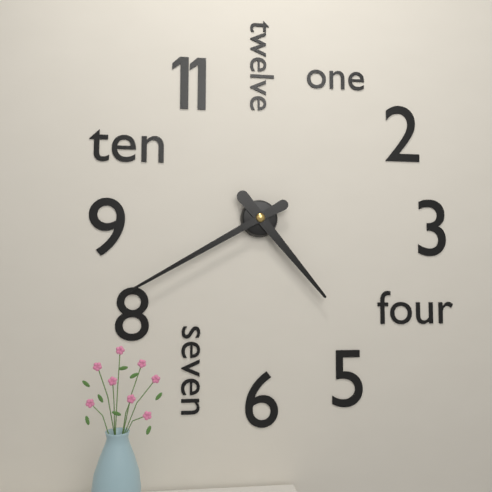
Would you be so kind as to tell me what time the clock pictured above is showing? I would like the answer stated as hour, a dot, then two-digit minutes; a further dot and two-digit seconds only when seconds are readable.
4.40
